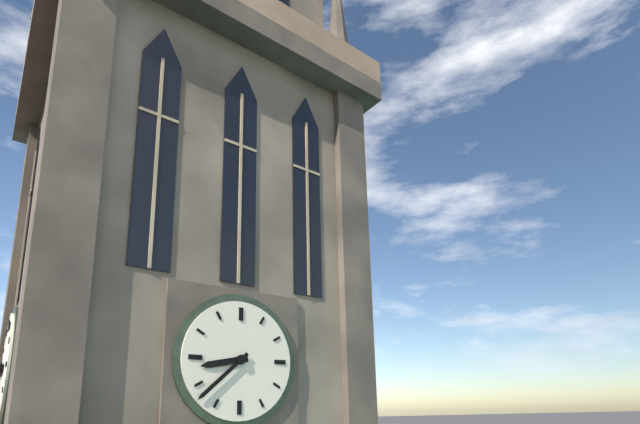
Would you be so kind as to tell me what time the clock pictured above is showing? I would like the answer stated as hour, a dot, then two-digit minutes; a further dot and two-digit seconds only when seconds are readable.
8.38
